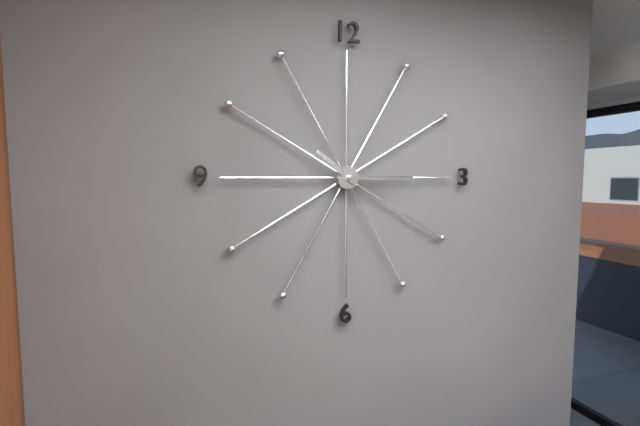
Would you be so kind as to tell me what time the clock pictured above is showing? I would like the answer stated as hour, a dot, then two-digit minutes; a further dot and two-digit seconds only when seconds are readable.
10.15
